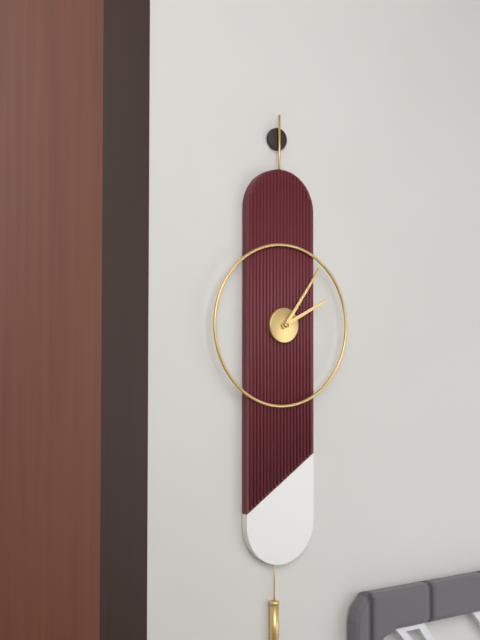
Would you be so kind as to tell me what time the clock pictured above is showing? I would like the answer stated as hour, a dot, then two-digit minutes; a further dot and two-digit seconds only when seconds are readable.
2.06
